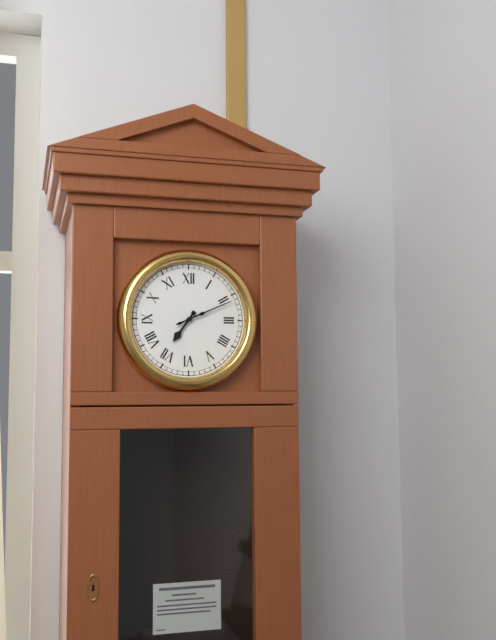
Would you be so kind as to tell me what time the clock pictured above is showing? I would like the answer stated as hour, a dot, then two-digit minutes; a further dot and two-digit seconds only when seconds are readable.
7.11
